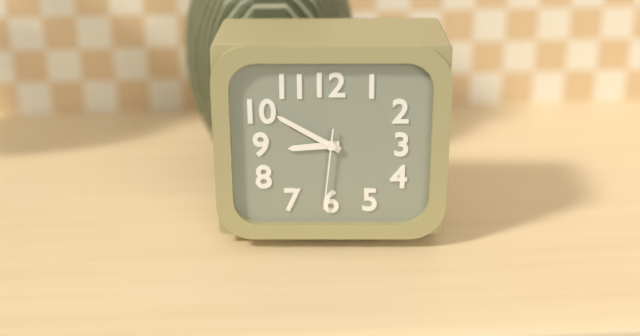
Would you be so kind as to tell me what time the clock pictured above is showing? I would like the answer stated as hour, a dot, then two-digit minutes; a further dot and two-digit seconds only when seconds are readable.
8.50.31
